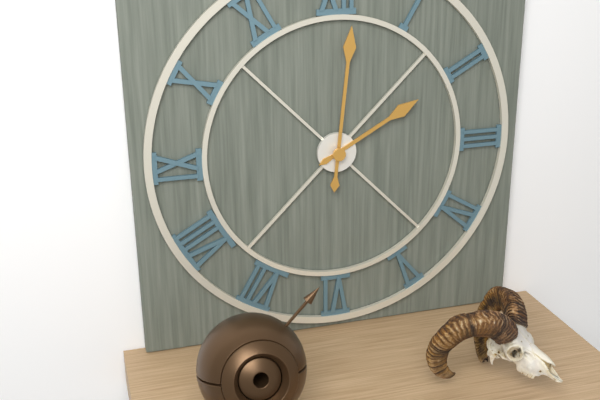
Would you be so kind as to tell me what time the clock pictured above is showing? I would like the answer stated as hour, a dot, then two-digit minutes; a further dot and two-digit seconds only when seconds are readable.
2.01
